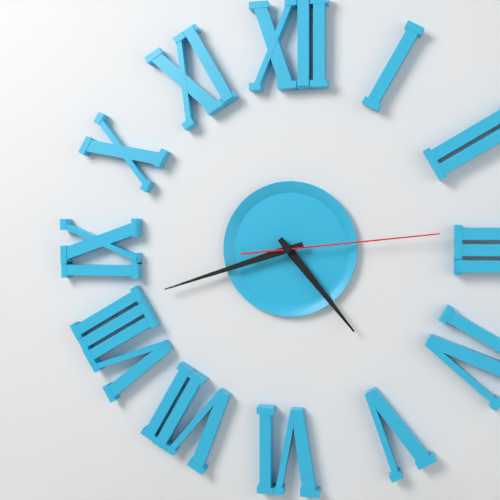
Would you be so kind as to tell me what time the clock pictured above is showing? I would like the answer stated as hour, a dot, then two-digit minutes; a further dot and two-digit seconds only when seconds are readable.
4.42.14
